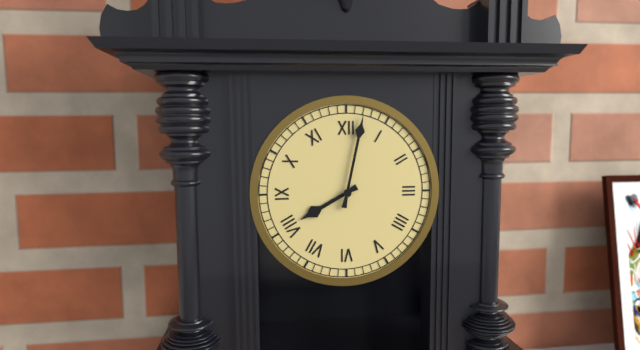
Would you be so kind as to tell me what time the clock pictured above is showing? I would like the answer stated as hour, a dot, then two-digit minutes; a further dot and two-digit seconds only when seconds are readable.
8.02
